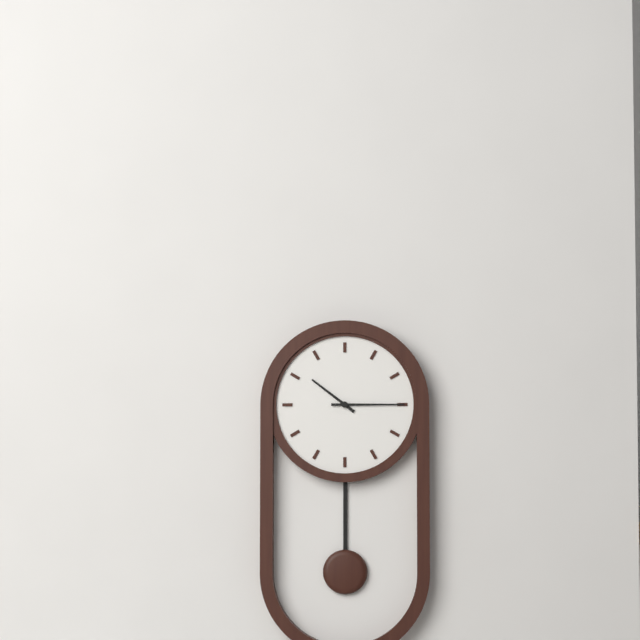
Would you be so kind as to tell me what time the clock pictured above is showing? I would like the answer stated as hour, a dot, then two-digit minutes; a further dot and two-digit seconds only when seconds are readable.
10.15
